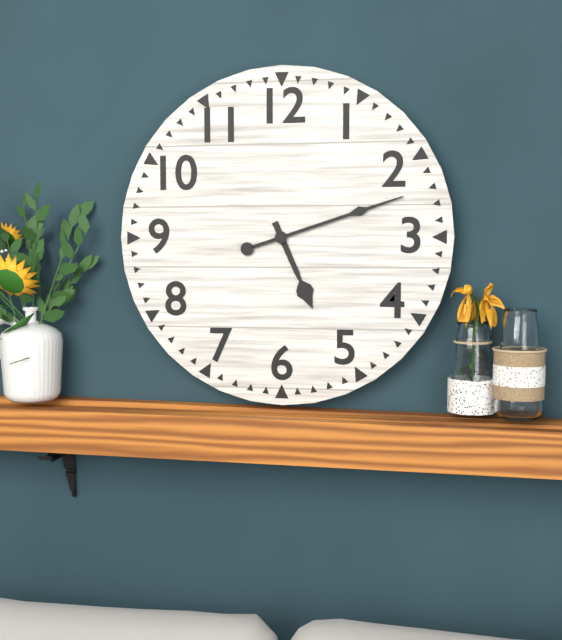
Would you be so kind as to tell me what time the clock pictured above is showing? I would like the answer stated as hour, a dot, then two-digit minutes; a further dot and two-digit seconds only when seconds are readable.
5.12
